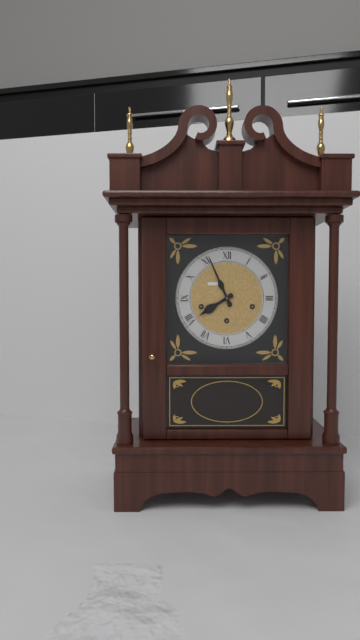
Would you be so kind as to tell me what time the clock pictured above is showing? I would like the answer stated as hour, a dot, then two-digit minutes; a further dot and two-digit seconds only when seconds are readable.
7.56
